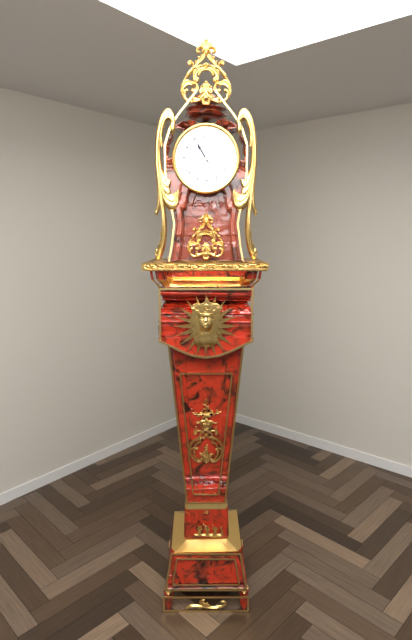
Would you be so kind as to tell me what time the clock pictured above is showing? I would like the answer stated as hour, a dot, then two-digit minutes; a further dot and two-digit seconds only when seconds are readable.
10.55
